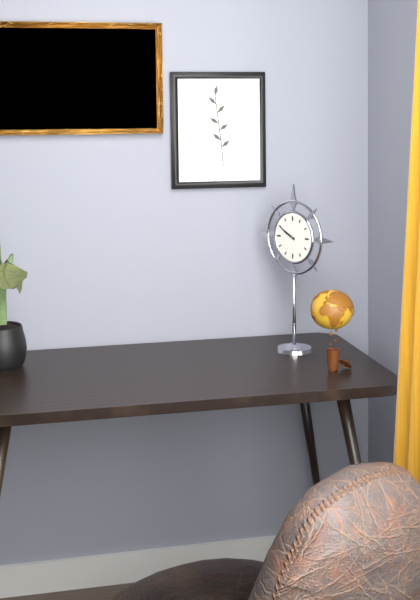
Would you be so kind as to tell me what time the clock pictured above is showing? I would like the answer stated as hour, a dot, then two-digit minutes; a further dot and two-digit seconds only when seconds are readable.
9.50
